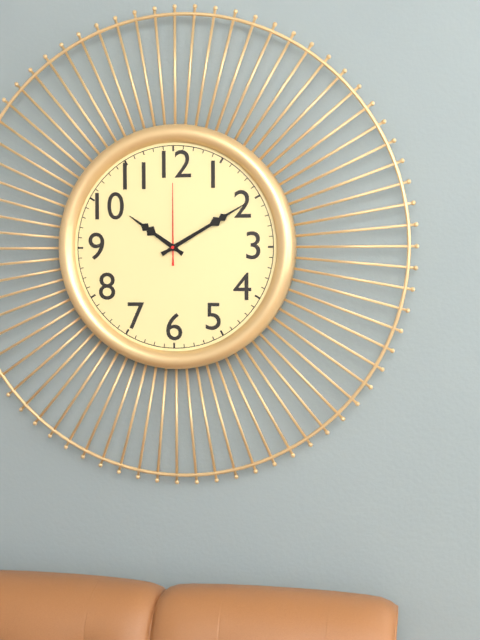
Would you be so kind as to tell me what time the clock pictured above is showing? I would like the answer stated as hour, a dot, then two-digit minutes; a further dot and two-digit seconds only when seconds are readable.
10.10.00
